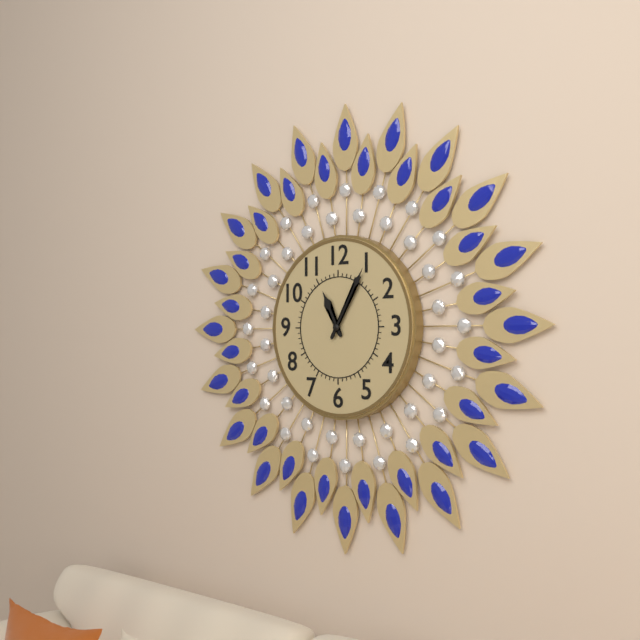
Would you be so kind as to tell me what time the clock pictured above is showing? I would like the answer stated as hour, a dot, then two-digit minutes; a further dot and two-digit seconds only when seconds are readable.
11.05
